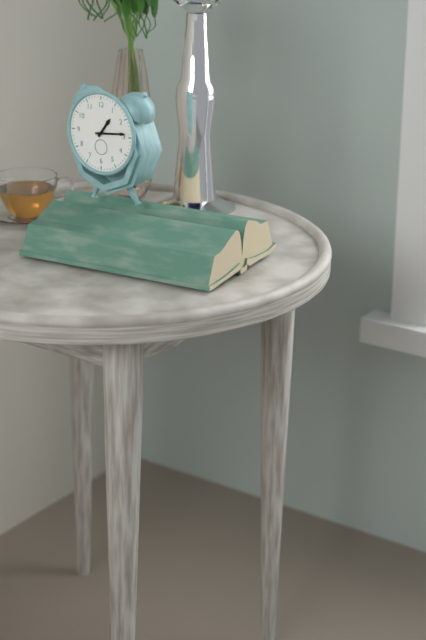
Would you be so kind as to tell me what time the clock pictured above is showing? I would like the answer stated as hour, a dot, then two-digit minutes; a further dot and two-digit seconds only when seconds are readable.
1.14
